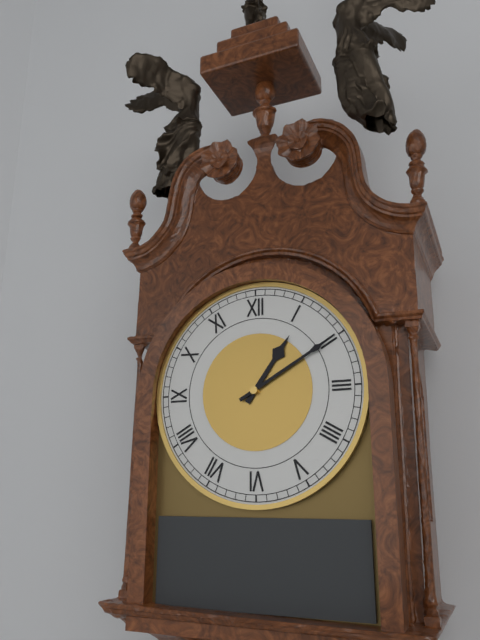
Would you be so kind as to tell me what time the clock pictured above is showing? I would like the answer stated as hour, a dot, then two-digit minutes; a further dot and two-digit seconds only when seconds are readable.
1.10
